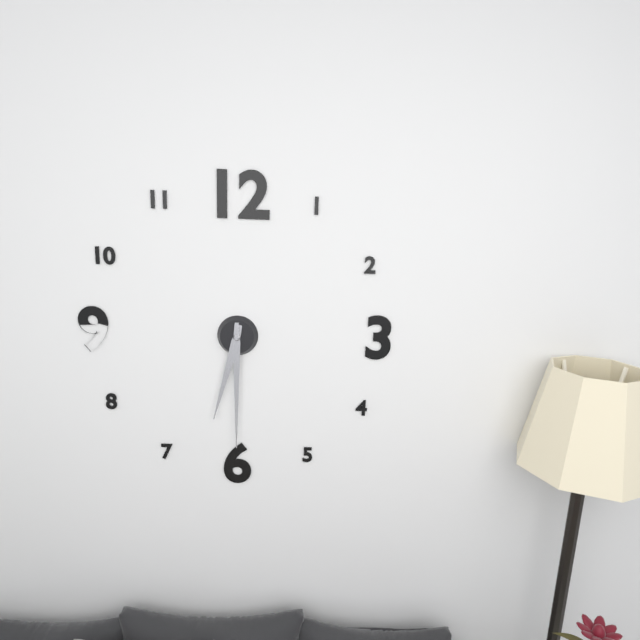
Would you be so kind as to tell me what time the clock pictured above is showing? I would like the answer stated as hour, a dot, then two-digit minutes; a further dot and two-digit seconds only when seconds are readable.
6.30
